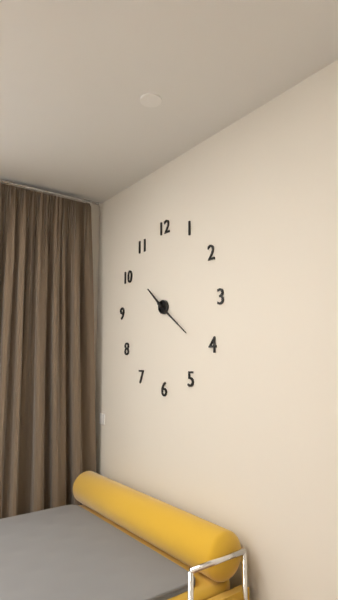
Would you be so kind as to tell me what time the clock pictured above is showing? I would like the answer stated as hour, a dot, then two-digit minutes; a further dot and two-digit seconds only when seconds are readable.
10.21
